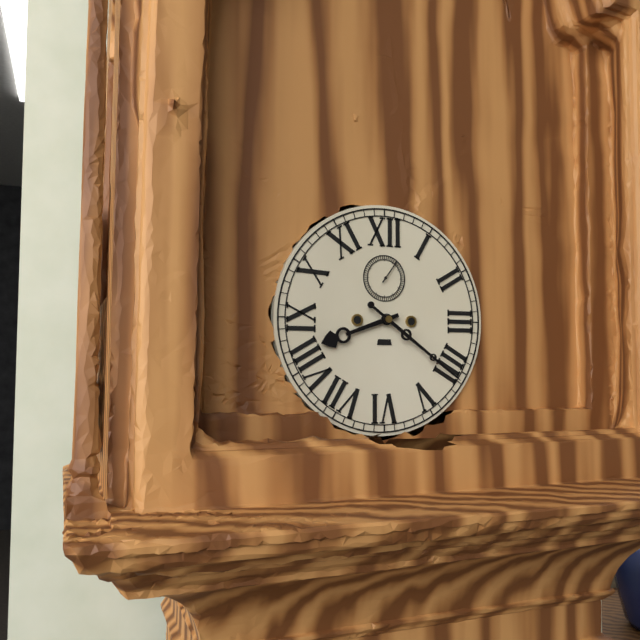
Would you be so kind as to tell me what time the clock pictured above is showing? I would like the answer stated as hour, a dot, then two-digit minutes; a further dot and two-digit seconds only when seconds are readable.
8.21
